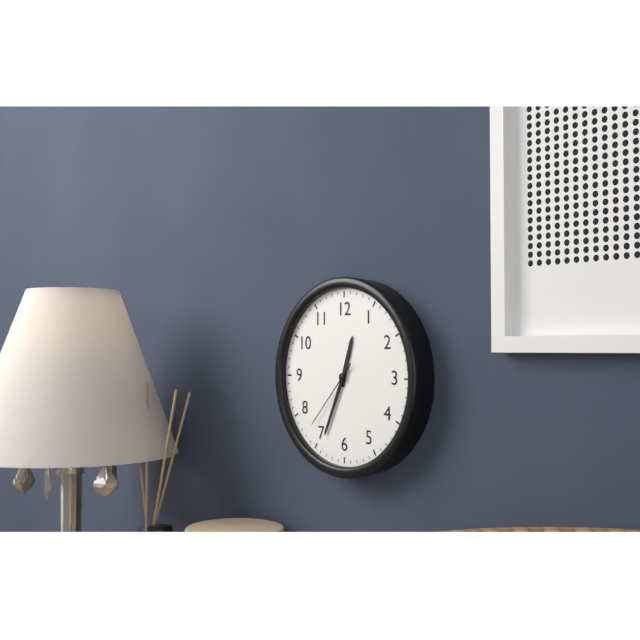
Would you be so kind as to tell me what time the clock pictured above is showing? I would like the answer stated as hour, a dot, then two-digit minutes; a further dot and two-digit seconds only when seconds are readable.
12.34.37
